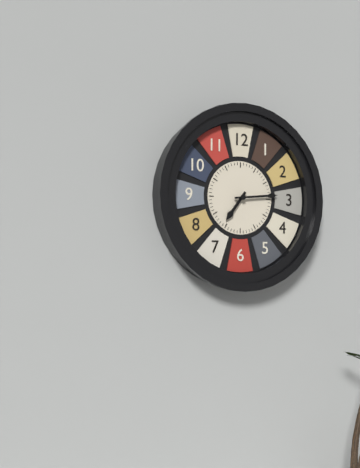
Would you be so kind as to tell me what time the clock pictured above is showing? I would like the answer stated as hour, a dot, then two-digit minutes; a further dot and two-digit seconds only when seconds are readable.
7.14
